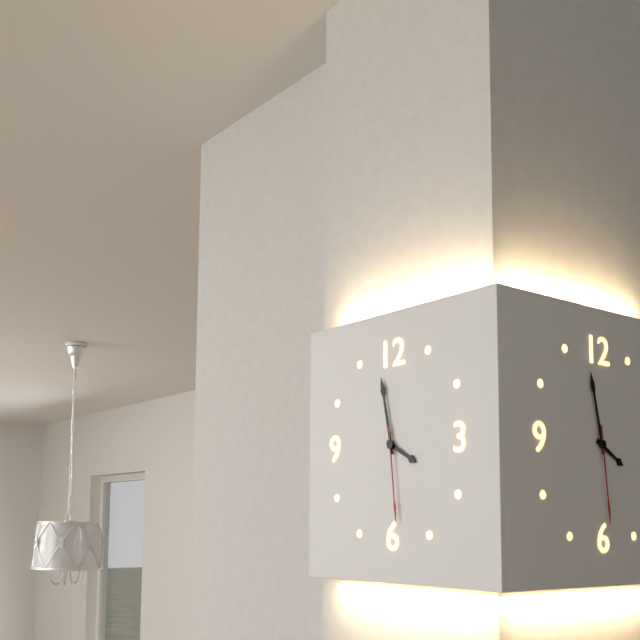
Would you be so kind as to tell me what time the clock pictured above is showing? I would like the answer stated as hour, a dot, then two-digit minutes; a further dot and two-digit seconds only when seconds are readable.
3.58.29
